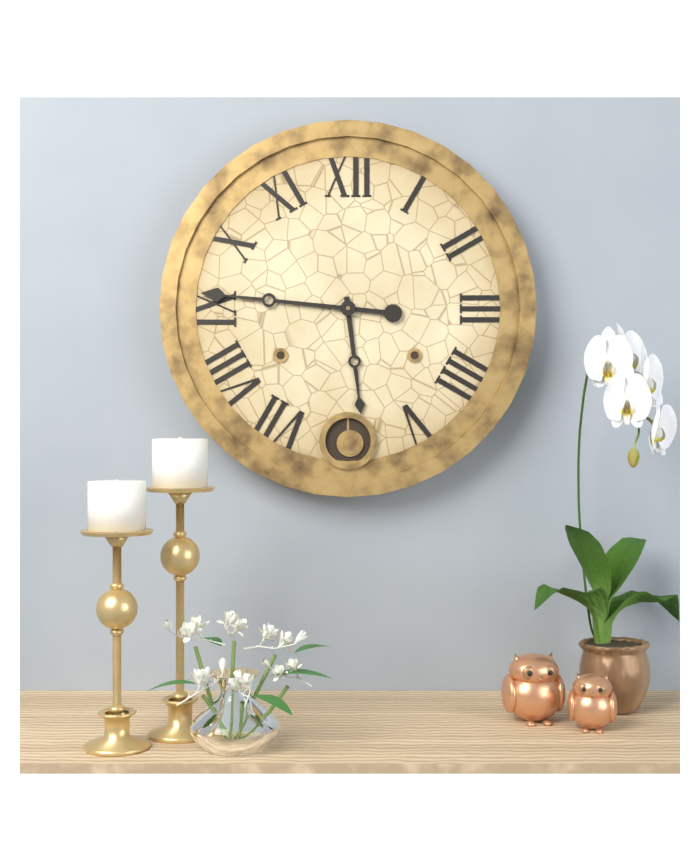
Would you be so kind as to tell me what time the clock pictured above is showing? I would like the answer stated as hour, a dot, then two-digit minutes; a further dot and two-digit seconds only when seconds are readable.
5.46
